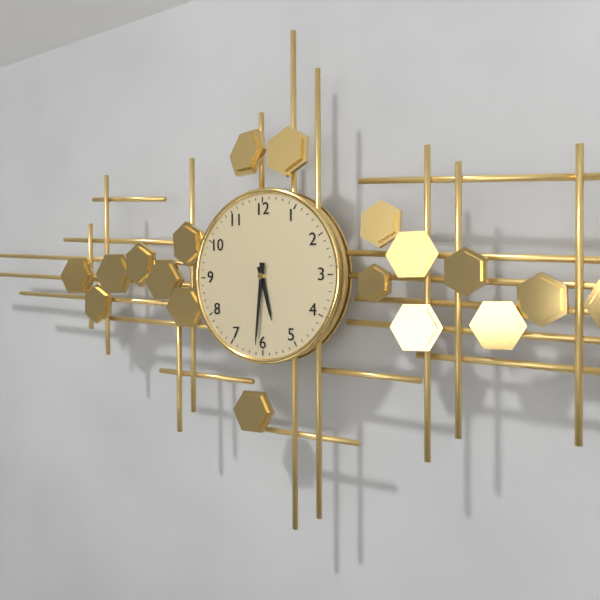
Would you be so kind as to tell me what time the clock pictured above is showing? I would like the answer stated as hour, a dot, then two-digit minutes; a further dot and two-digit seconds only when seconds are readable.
5.31
